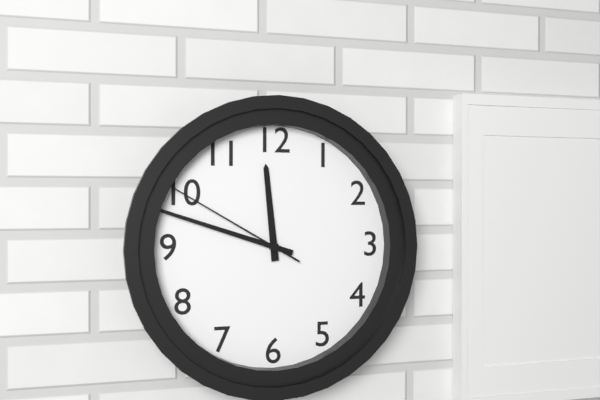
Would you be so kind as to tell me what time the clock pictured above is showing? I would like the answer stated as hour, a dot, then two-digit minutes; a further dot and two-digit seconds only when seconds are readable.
11.48.50
